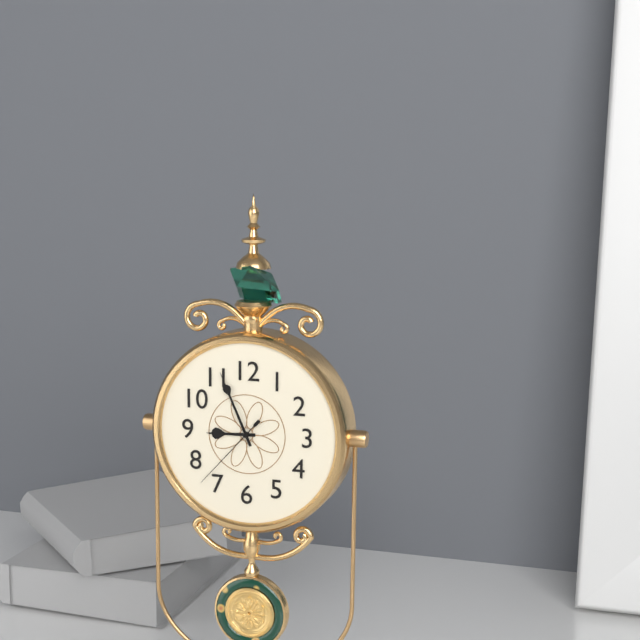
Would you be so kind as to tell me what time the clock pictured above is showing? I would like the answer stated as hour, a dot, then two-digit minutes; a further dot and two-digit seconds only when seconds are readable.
8.56.37
